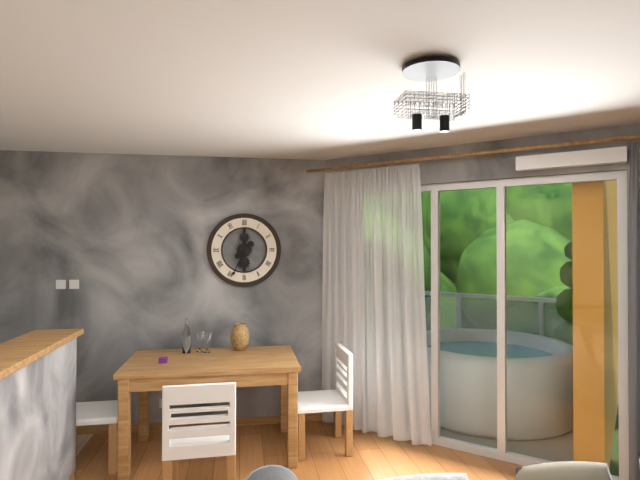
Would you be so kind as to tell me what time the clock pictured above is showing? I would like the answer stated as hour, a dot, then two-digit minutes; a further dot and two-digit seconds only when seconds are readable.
6.34
